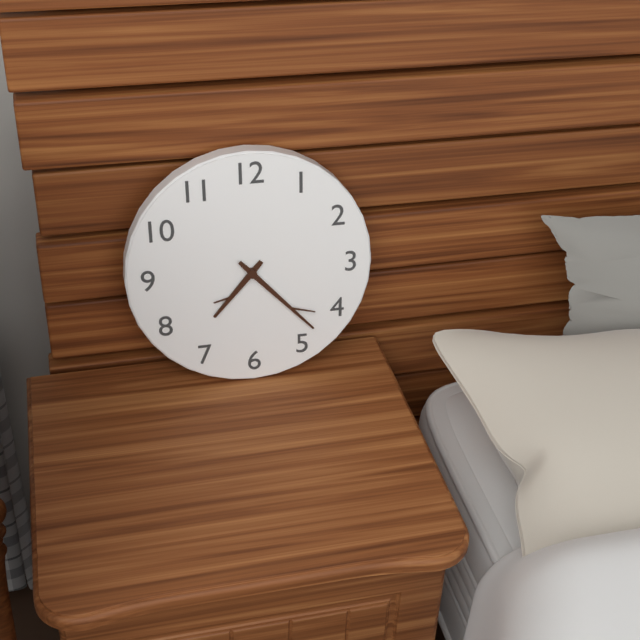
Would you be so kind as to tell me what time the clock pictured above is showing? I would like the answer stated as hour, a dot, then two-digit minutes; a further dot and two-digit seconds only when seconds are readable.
7.23
